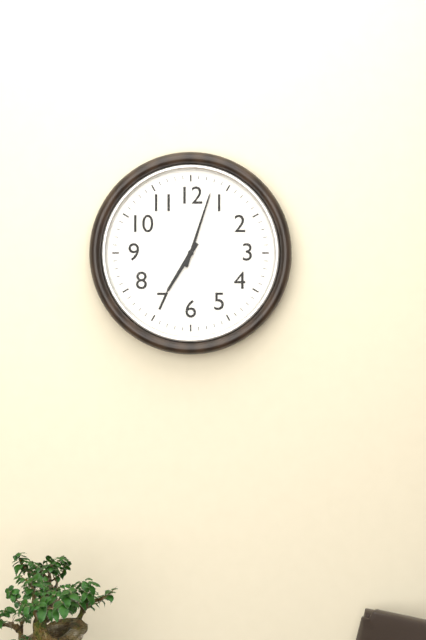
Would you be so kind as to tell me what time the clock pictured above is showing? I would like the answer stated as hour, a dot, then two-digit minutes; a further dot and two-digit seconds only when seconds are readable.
7.03
